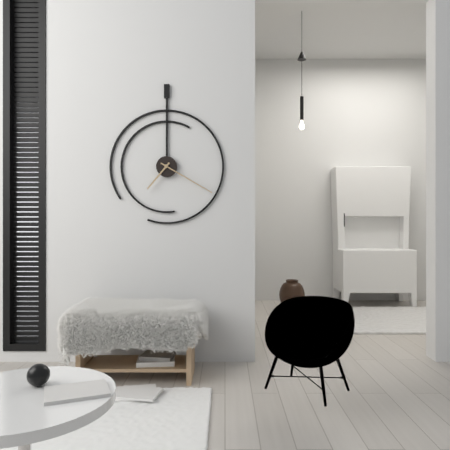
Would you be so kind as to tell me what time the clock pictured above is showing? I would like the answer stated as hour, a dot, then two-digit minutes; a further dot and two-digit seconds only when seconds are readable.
7.20
